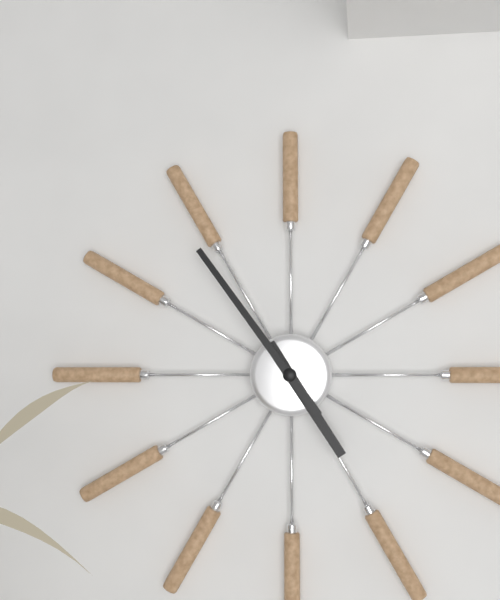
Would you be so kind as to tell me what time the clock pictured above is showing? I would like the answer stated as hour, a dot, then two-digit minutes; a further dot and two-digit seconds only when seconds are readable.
4.54
